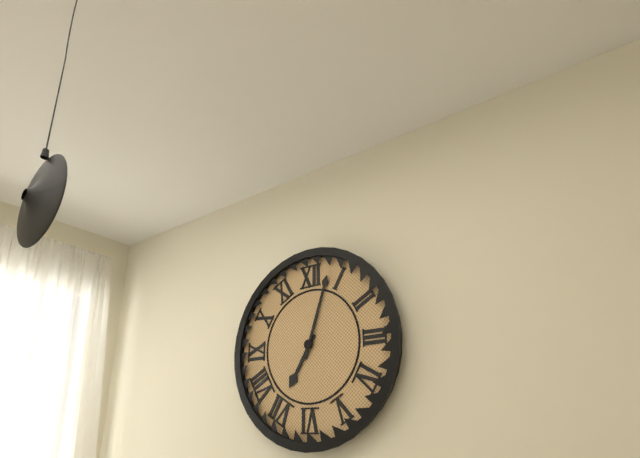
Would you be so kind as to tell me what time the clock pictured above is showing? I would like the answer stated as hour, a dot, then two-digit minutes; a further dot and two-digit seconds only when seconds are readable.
7.03
